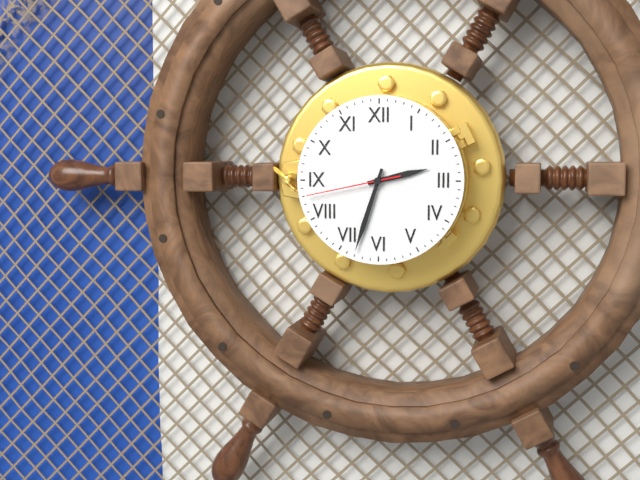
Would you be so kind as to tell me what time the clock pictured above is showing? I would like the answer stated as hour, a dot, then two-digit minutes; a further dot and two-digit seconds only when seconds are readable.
2.33.43
